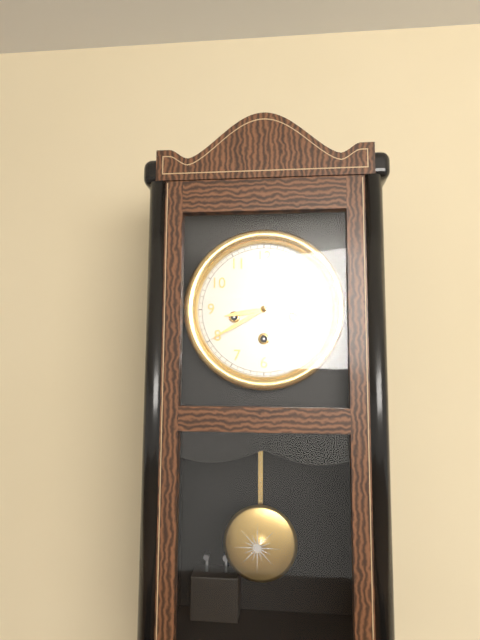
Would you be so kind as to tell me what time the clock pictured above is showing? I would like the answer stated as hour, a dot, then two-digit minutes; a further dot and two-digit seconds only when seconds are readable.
8.40
